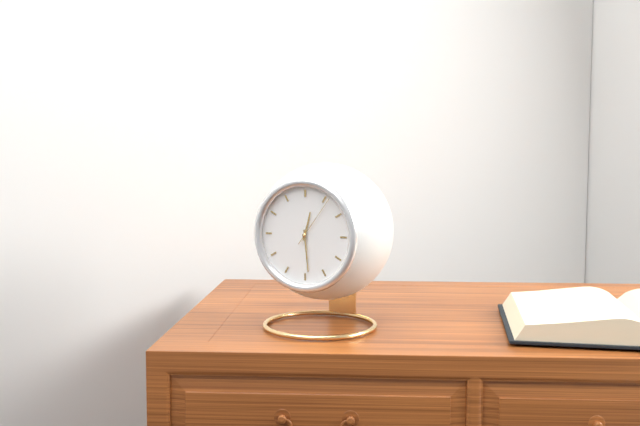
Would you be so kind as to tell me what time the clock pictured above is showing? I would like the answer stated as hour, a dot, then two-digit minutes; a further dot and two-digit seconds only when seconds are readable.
12.29.06
